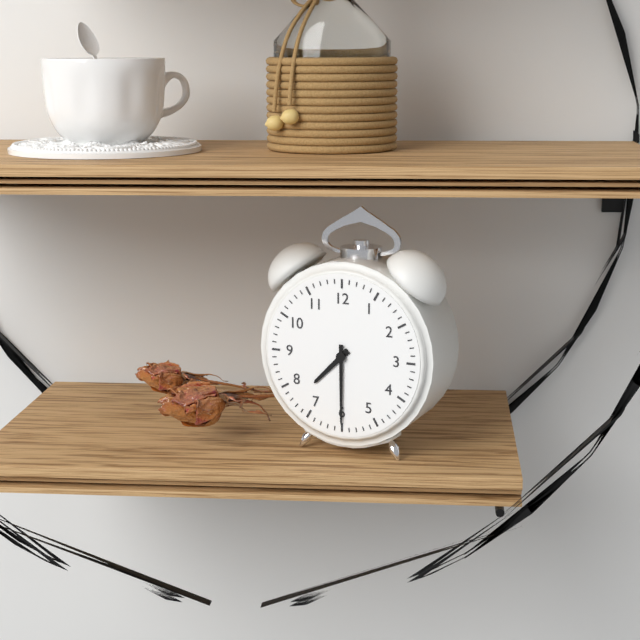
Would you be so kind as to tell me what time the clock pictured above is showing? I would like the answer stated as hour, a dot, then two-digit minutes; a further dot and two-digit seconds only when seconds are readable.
7.30
